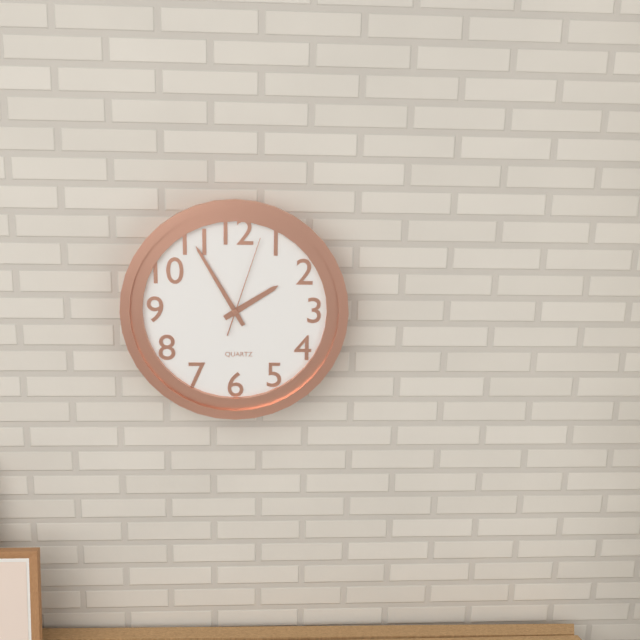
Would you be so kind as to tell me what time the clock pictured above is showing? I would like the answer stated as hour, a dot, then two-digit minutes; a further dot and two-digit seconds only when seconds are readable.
1.55.03
